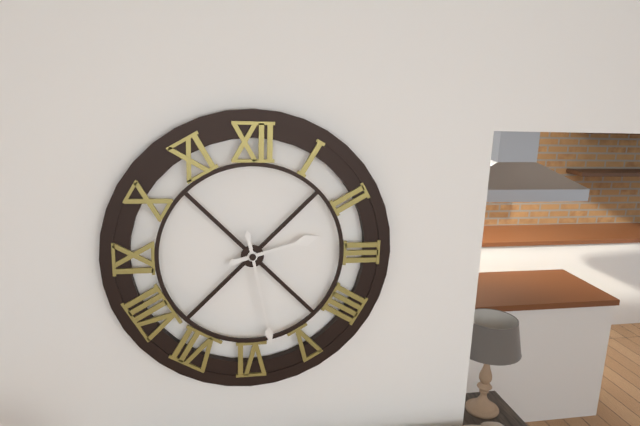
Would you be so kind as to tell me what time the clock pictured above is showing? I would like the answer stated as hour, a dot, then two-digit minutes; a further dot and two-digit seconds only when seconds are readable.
2.28
